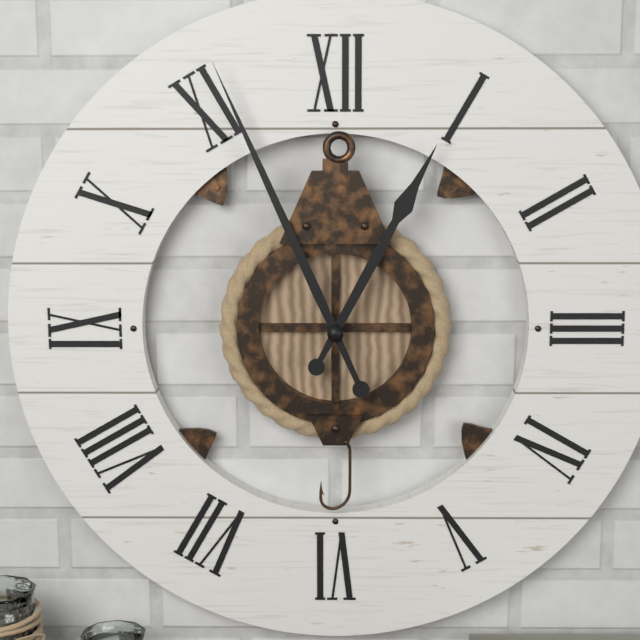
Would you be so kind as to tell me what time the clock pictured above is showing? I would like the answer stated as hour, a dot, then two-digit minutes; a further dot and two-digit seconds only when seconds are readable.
12.56
